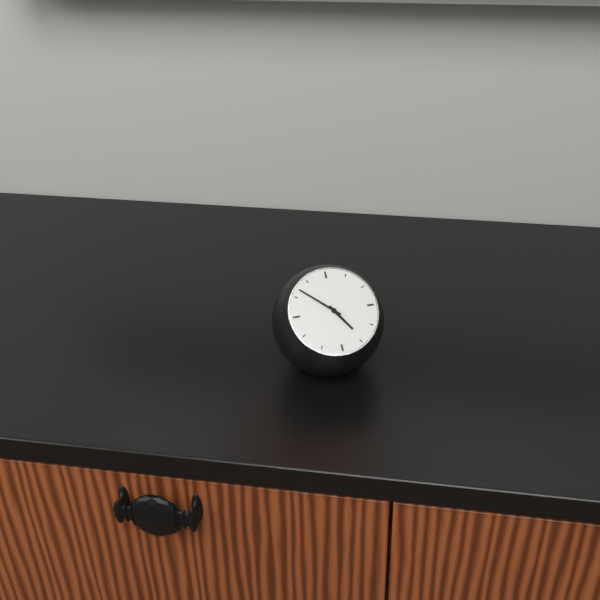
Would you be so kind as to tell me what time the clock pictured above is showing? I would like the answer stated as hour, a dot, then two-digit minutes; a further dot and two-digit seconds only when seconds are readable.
4.52
